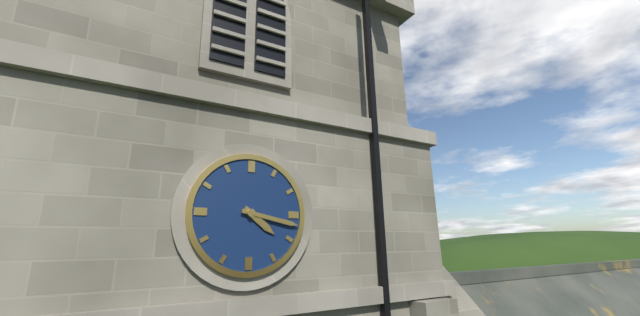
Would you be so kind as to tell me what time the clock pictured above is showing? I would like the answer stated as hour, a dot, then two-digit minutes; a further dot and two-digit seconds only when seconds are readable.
4.17
